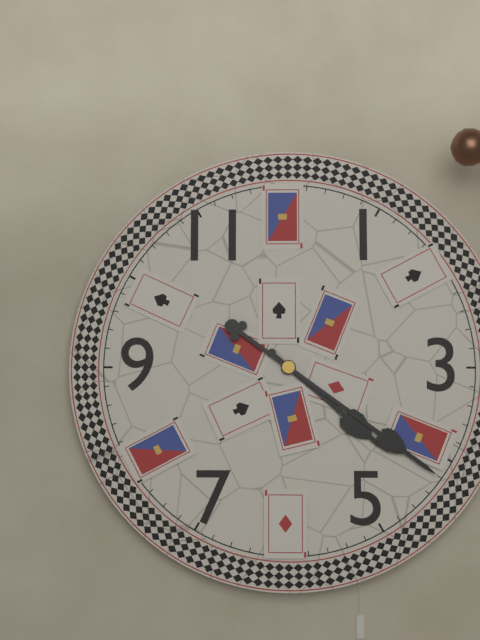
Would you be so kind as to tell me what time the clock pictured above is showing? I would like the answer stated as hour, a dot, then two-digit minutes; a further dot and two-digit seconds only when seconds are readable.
4.21
